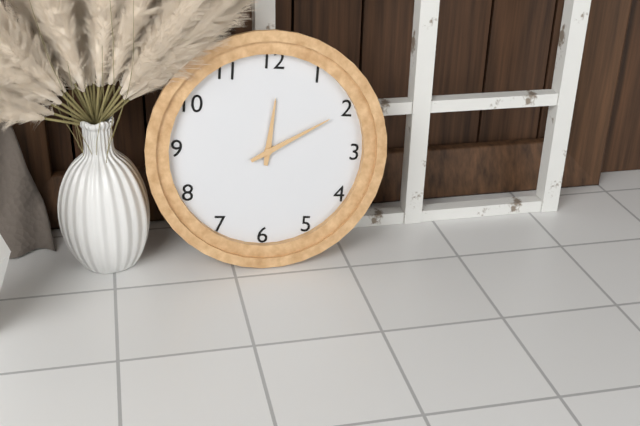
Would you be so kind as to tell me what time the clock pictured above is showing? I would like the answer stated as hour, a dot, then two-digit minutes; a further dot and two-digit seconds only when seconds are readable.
12.10
